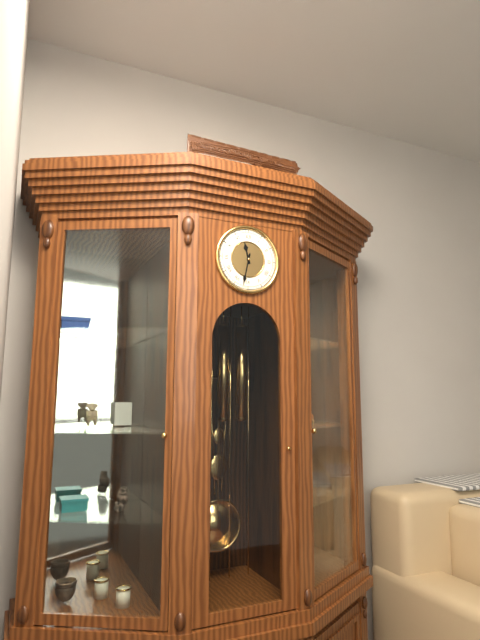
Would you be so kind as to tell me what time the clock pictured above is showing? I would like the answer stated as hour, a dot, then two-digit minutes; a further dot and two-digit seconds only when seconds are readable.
11.32
